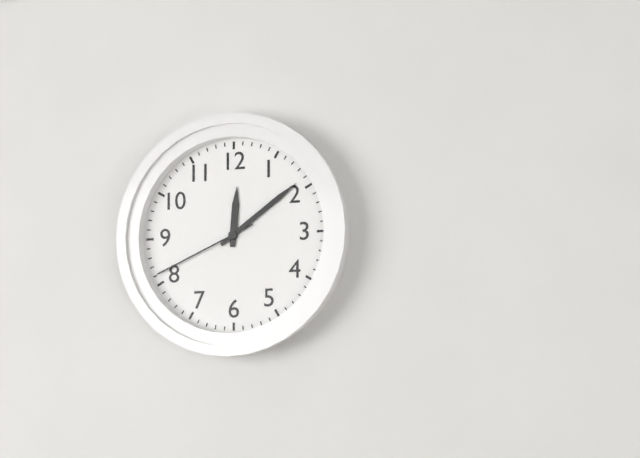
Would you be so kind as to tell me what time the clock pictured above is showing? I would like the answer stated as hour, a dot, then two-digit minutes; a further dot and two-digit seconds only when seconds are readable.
12.09.41
